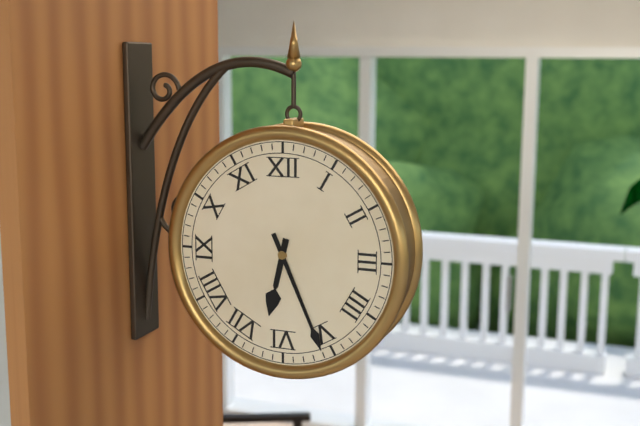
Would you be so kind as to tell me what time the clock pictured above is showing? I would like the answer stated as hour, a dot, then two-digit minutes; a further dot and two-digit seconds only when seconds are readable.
6.26
